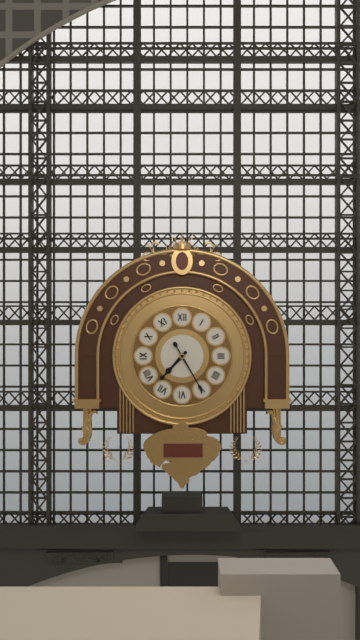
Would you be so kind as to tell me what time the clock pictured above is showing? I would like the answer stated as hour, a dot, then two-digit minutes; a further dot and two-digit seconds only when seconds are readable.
7.25
